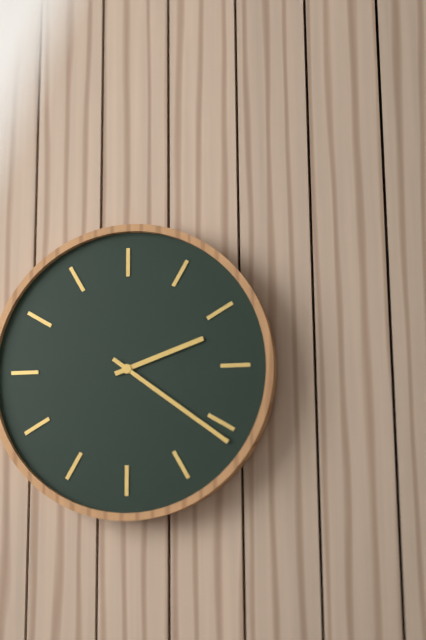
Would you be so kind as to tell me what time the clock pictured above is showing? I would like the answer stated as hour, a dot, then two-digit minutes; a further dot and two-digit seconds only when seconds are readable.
2.21
